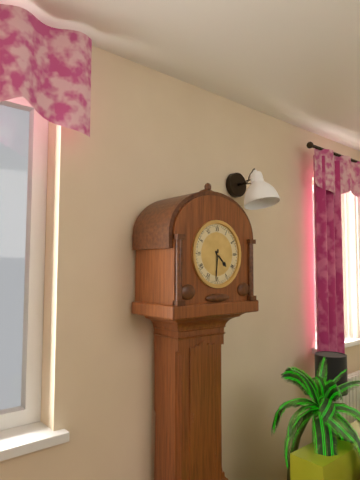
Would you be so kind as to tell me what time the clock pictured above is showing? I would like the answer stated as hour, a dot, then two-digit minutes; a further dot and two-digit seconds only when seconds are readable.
4.31
